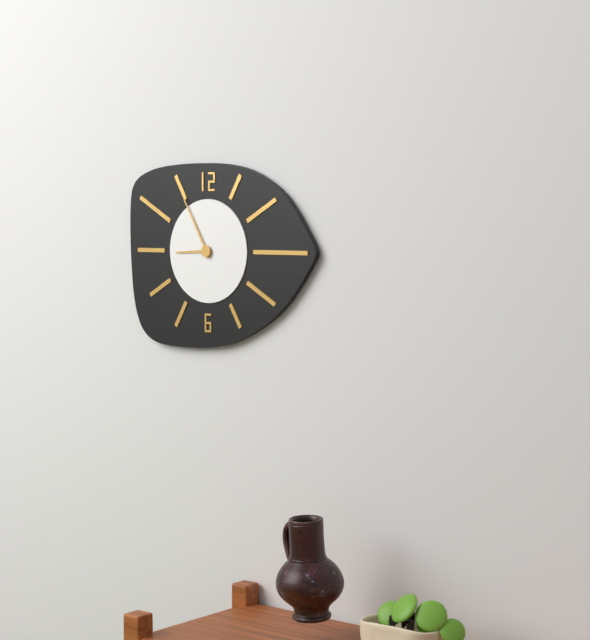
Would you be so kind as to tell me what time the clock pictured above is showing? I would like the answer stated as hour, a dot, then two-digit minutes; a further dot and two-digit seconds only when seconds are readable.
8.55
